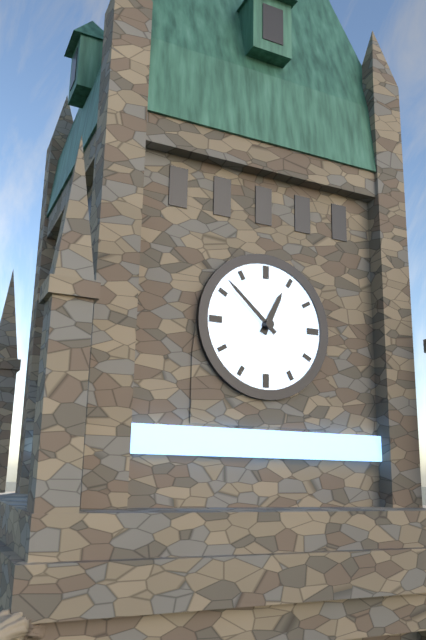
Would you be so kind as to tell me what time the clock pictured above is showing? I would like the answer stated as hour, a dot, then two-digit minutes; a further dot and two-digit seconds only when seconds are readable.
12.52
